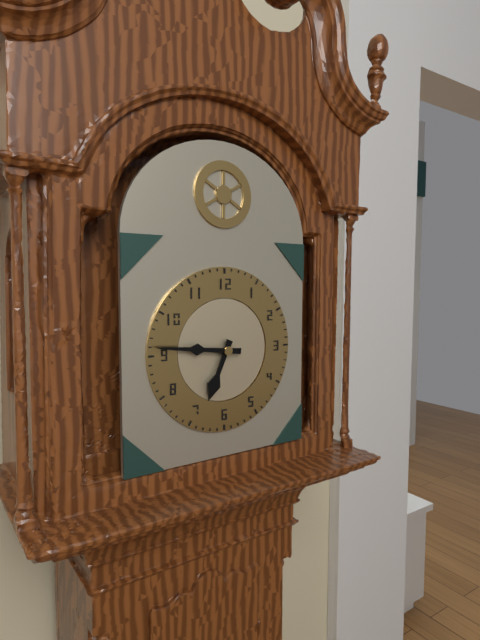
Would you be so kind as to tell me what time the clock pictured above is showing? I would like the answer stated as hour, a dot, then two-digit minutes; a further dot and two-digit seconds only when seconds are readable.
6.46
